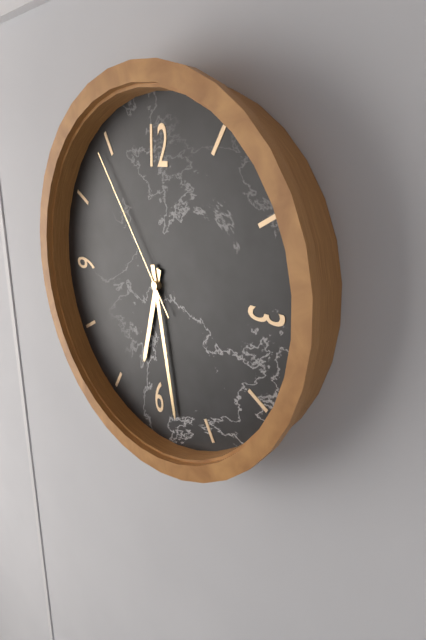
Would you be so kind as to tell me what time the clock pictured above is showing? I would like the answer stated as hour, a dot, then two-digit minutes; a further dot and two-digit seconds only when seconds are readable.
6.28.54
